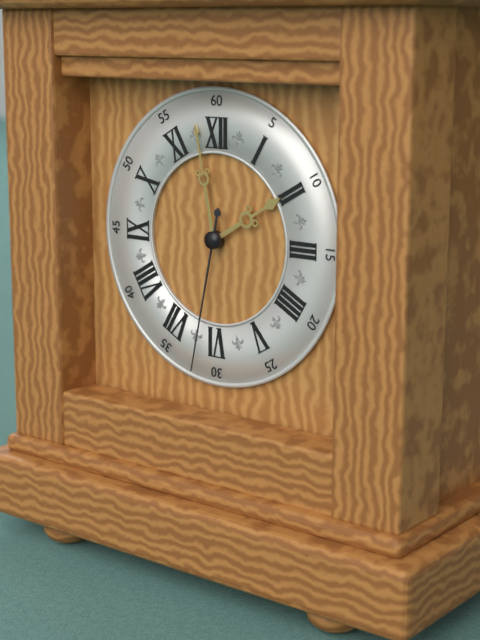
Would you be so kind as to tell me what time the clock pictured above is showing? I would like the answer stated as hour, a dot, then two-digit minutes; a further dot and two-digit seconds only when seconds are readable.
1.58.32
